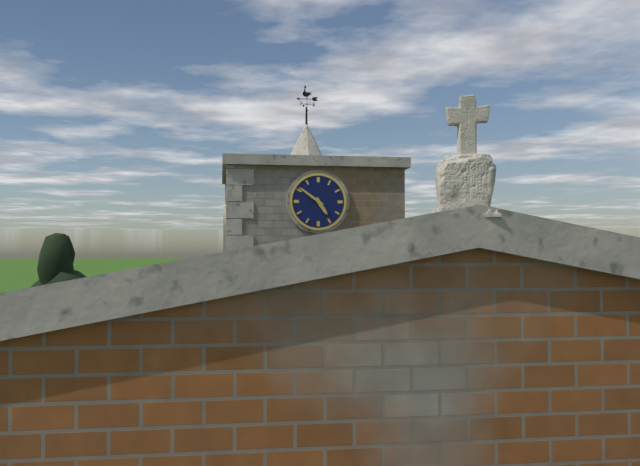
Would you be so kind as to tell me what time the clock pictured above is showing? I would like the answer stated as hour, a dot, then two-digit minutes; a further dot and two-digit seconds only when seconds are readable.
4.51
